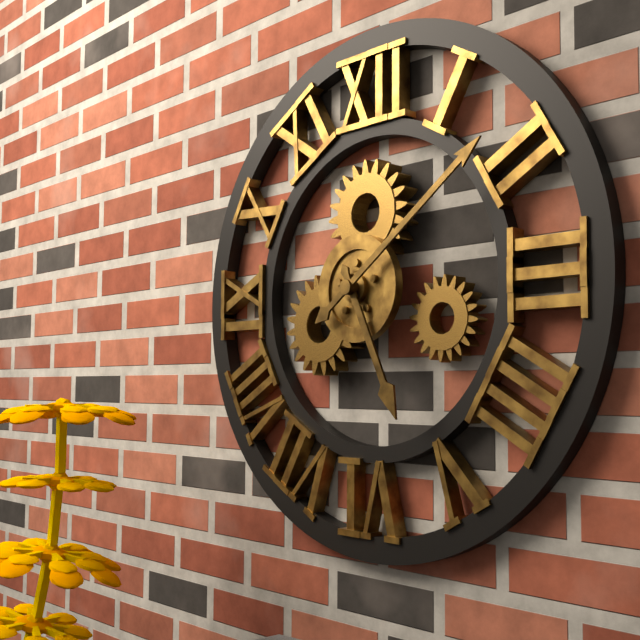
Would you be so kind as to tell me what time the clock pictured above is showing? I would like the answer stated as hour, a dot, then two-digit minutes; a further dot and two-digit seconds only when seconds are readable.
5.09
